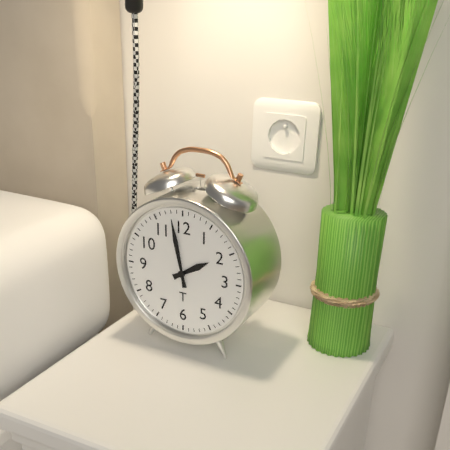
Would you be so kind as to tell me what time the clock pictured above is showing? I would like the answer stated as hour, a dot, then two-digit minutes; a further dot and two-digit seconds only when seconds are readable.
1.58
